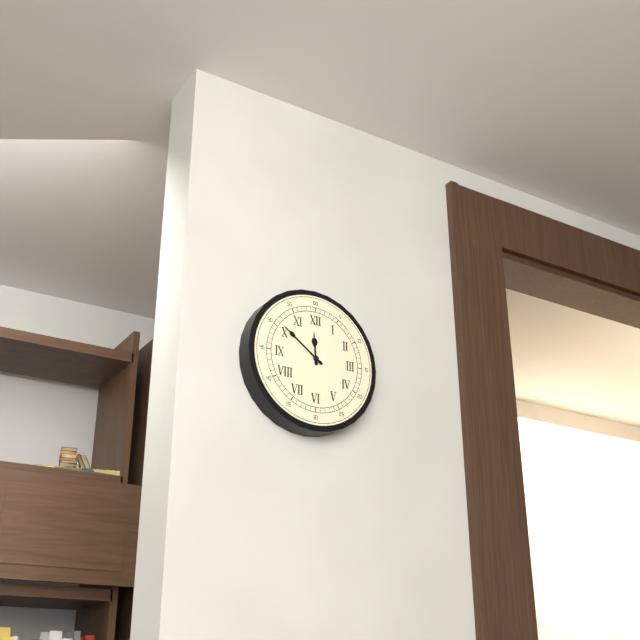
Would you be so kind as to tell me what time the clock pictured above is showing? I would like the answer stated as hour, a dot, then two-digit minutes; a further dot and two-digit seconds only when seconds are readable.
11.51
